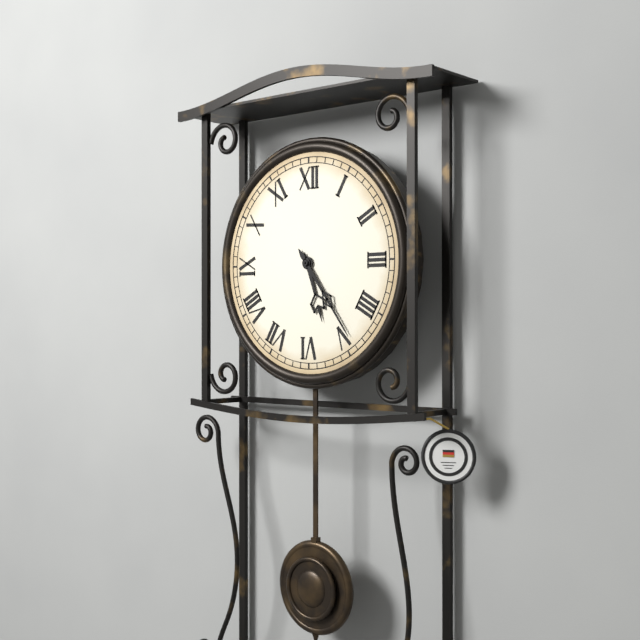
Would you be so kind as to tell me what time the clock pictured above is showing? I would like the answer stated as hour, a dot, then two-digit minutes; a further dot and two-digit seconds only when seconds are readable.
5.24
